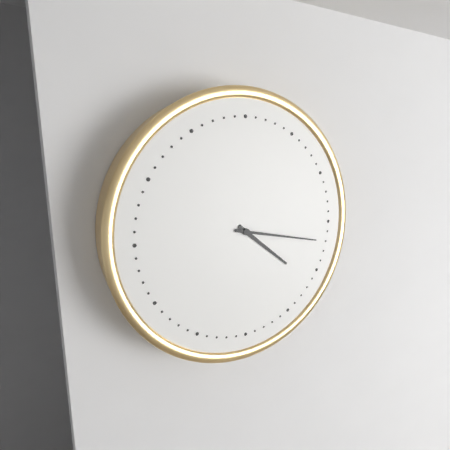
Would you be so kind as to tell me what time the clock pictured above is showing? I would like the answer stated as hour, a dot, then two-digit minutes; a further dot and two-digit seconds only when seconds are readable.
4.17
